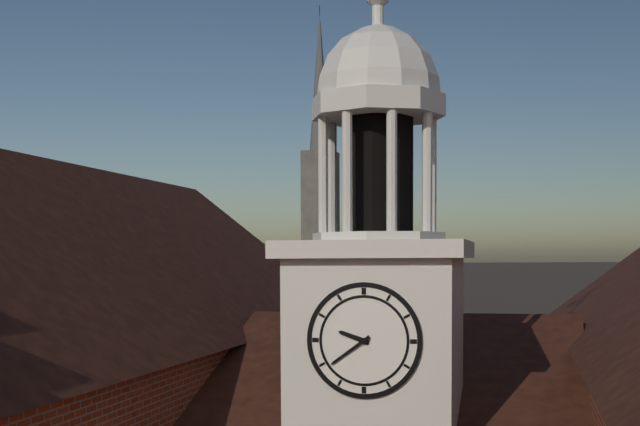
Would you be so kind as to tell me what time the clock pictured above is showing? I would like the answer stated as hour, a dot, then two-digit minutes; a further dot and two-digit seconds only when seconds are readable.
9.39
